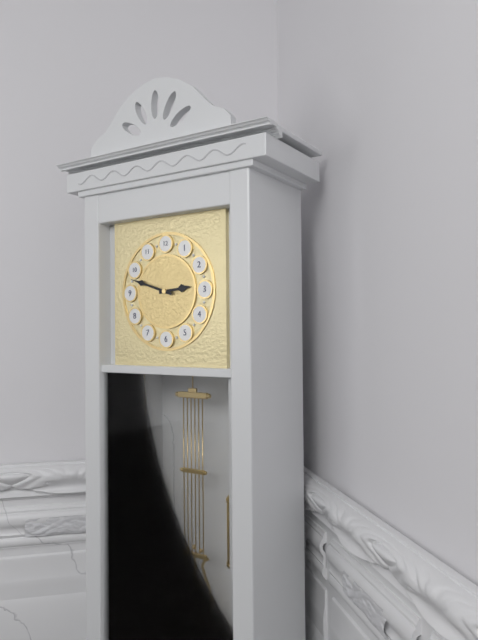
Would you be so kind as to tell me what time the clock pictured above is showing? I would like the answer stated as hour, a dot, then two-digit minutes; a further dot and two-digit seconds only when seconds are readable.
2.48
